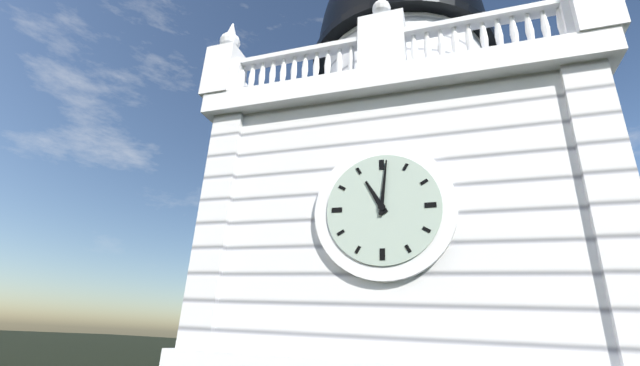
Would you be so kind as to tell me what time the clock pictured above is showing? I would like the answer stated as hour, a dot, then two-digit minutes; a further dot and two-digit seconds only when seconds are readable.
11.01
